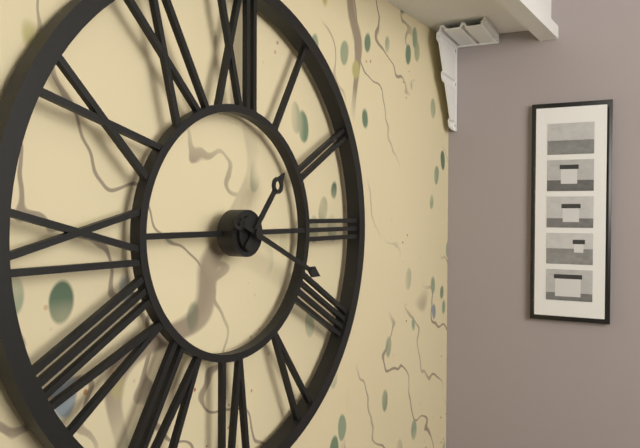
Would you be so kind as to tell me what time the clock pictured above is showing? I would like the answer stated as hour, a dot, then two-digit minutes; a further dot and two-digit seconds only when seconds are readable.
1.19
